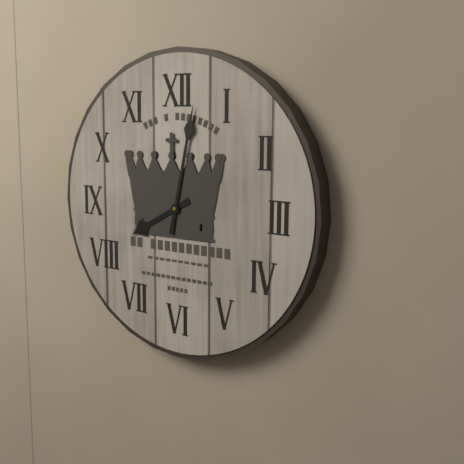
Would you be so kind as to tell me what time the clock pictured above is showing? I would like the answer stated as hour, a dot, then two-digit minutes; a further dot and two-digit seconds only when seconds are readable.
8.02
